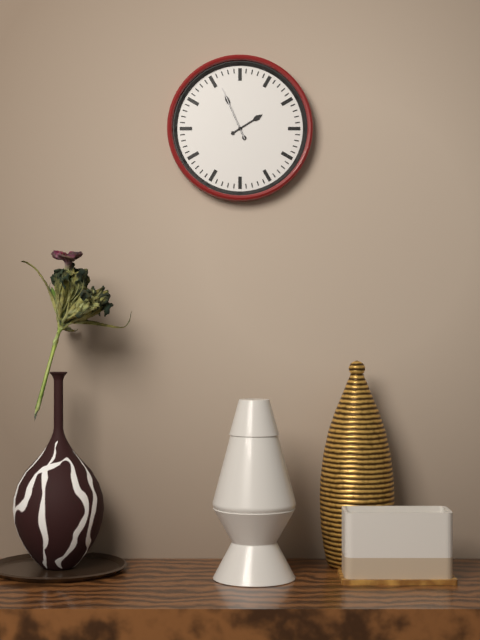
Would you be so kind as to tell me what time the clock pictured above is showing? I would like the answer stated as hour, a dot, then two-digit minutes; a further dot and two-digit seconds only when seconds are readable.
1.56.56
